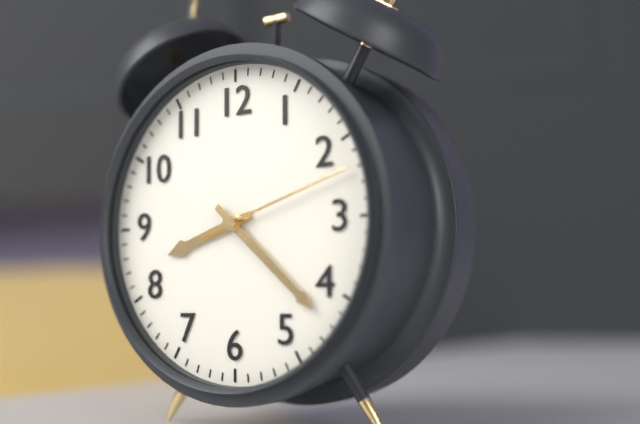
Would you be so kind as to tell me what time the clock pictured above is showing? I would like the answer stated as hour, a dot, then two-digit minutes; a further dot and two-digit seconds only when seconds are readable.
8.22.12
